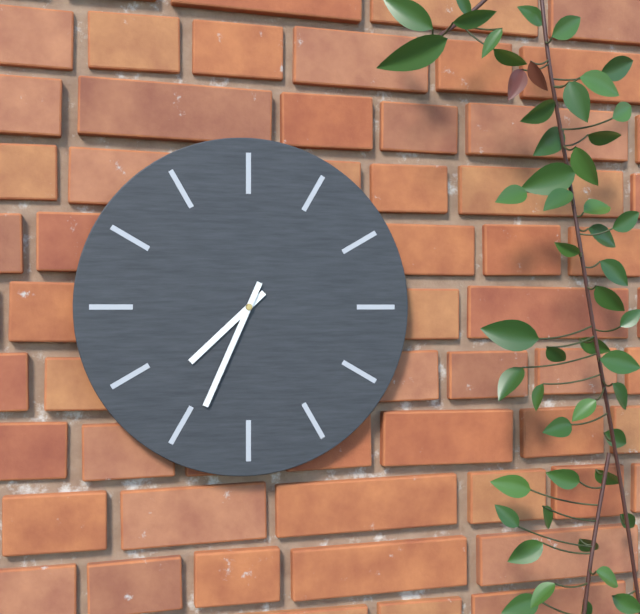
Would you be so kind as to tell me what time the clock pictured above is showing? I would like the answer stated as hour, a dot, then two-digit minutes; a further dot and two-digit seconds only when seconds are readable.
7.34
